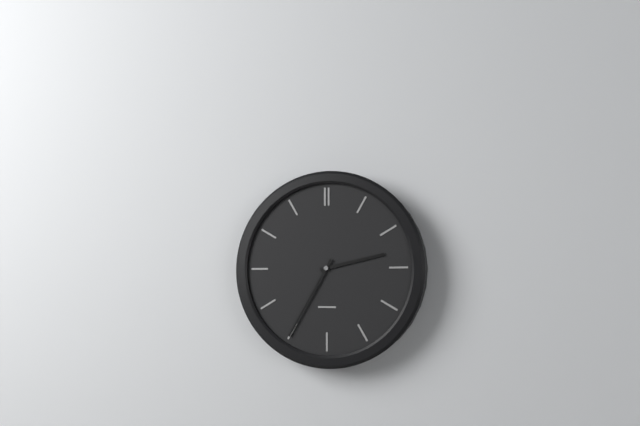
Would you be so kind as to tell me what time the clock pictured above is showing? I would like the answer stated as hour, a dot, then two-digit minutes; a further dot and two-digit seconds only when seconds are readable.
2.35
